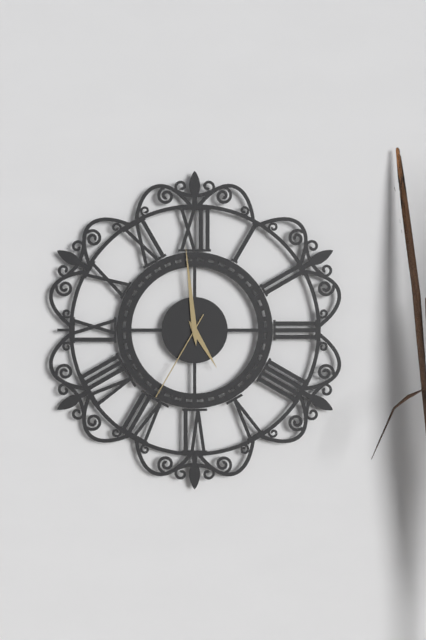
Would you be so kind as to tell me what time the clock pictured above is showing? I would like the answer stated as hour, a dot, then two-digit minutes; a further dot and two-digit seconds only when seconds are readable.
4.59.35
